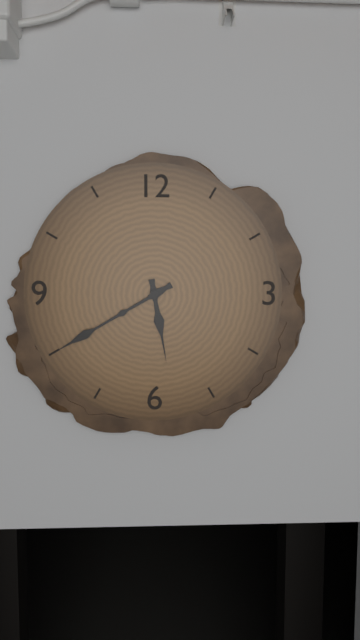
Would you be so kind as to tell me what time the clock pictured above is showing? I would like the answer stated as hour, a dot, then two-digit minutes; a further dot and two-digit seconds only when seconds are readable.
5.40
